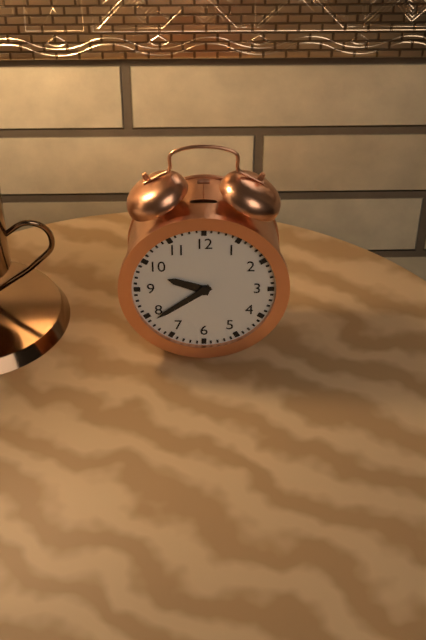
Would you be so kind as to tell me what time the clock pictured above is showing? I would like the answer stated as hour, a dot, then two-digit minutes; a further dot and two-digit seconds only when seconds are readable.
9.39
